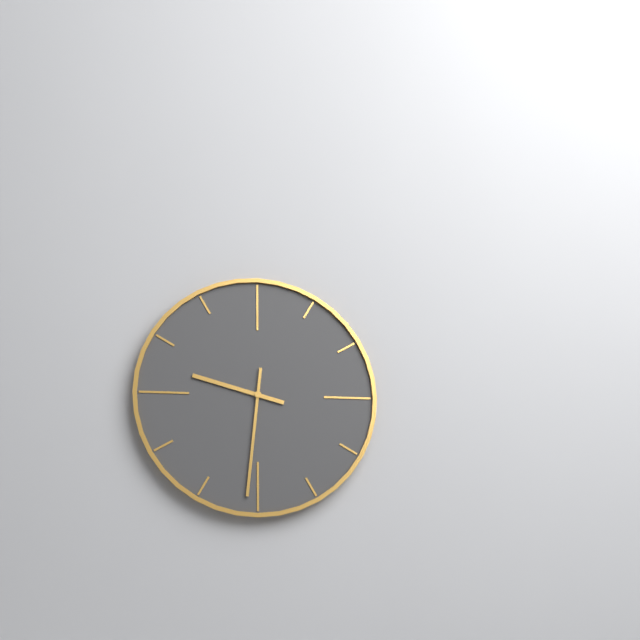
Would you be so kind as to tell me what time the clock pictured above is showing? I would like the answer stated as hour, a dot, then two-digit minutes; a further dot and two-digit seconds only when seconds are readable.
9.31
